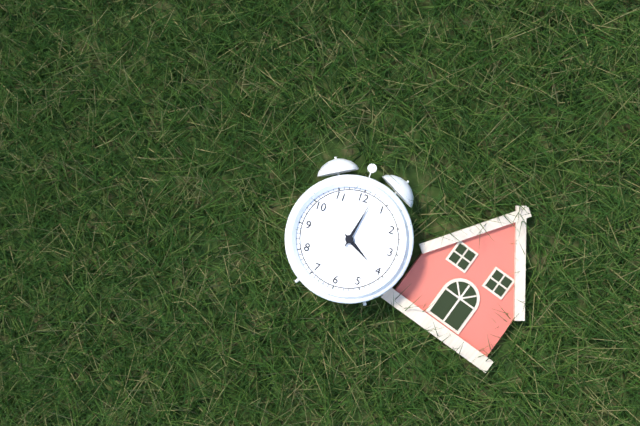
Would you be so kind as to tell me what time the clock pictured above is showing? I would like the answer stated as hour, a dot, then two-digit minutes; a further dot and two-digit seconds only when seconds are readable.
4.02
